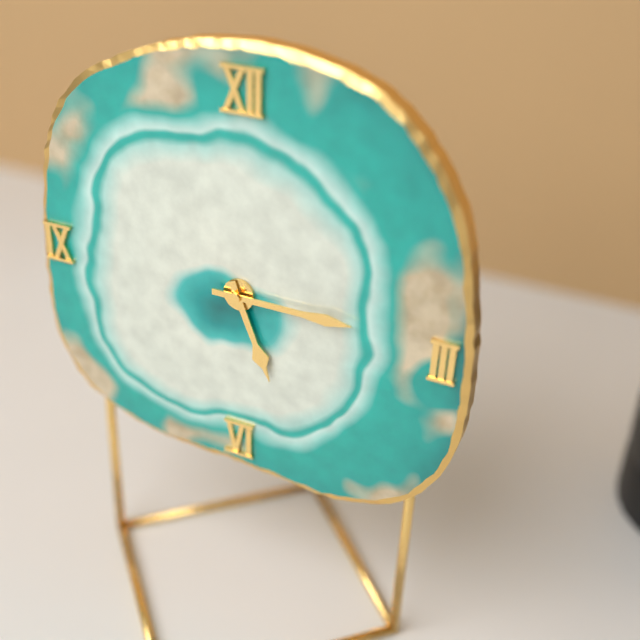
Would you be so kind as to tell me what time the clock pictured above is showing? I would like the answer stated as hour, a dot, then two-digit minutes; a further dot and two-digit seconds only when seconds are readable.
5.15
